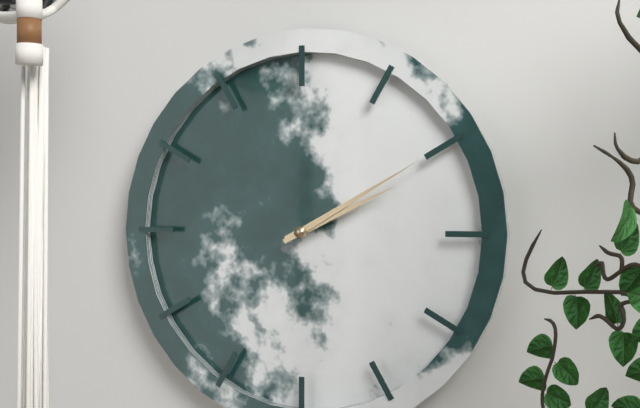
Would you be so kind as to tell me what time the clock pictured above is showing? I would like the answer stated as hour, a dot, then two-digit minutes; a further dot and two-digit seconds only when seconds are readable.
2.10
